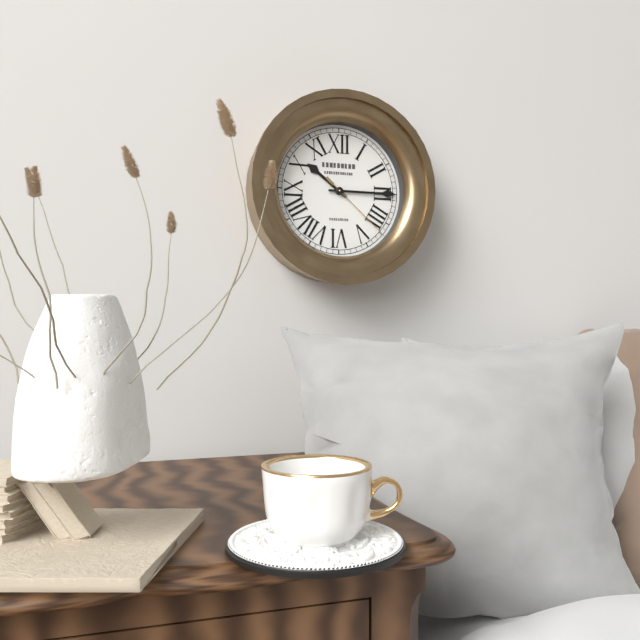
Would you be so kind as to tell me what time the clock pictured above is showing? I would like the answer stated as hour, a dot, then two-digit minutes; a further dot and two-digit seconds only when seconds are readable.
10.15.22
